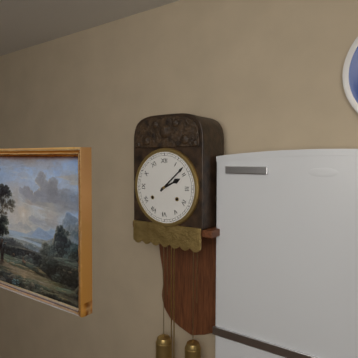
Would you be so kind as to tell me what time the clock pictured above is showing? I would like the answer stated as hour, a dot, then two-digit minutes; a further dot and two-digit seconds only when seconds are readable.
2.08
